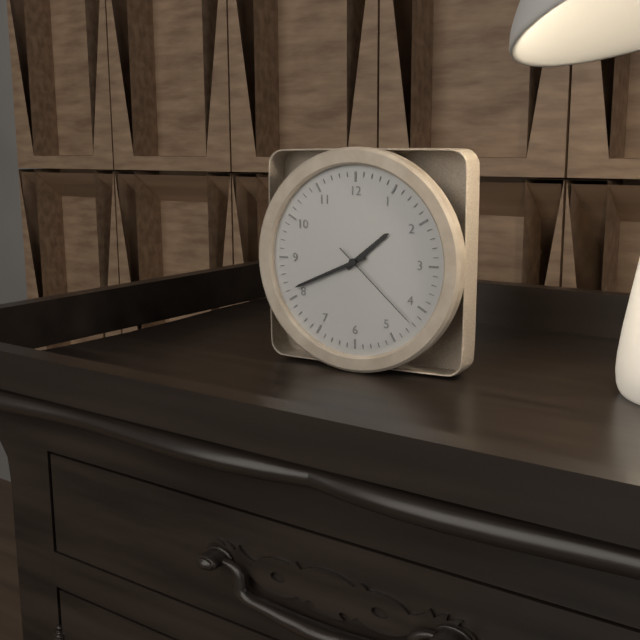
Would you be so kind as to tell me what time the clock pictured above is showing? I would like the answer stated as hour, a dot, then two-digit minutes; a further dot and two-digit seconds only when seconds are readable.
1.41.22
